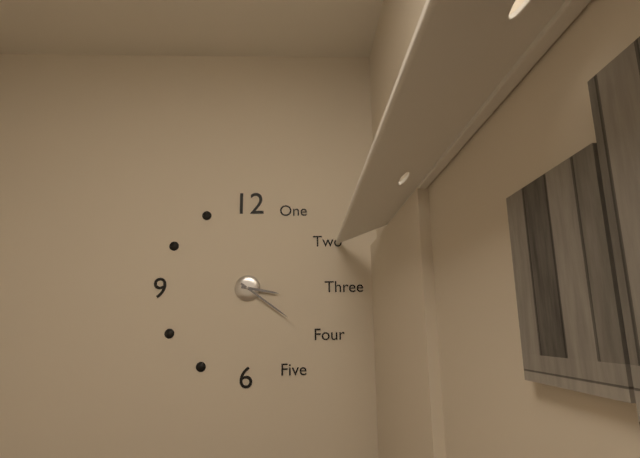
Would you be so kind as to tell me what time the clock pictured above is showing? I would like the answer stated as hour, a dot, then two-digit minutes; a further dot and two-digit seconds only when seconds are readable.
3.21
